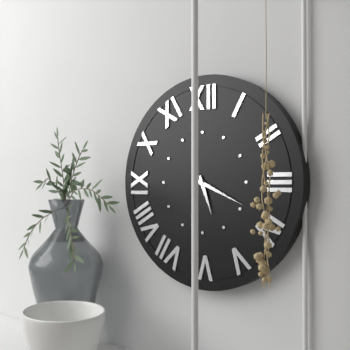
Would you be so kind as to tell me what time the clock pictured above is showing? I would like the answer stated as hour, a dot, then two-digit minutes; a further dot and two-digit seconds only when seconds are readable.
5.19
